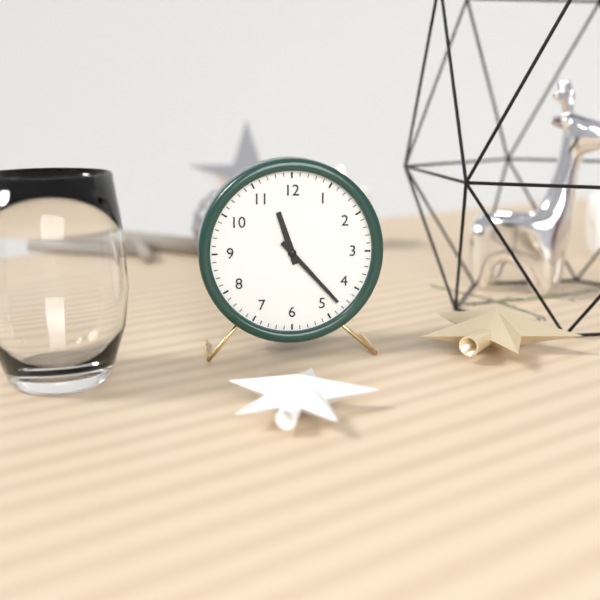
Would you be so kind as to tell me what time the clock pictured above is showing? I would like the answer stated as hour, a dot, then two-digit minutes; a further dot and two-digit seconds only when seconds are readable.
11.23
